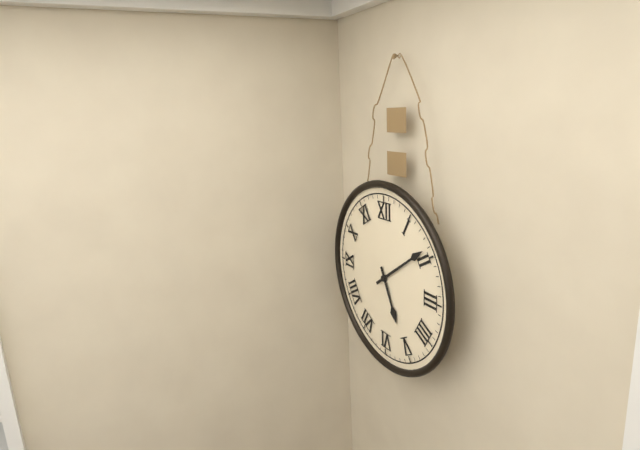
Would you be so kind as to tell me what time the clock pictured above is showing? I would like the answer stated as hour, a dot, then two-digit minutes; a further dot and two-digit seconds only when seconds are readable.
5.09
